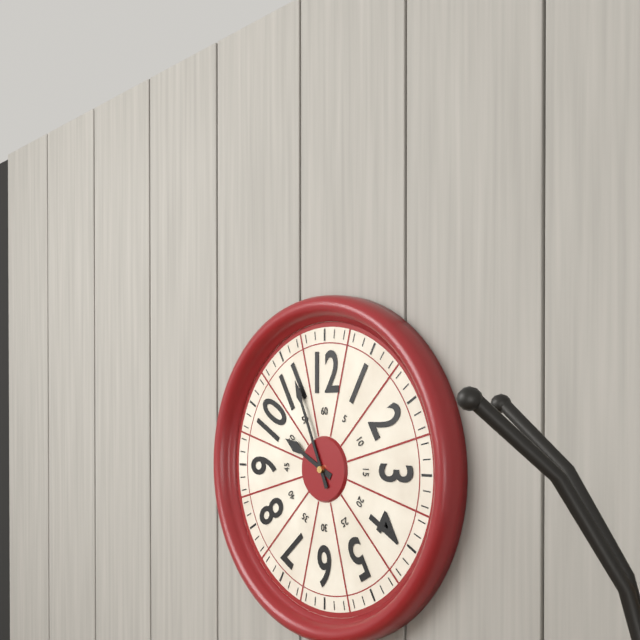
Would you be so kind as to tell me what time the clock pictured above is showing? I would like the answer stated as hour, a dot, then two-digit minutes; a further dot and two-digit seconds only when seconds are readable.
9.56
